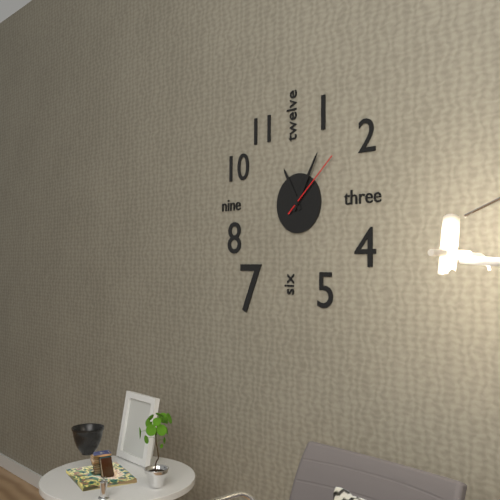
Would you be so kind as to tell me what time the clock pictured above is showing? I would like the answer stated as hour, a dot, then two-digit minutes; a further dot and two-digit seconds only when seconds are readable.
11.05.08
